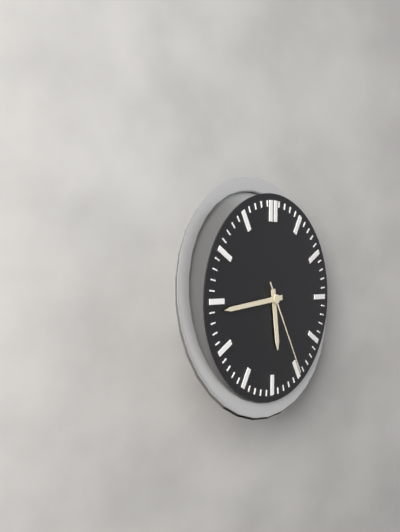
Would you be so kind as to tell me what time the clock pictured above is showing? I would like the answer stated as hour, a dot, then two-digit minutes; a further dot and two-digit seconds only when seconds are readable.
5.44.25
